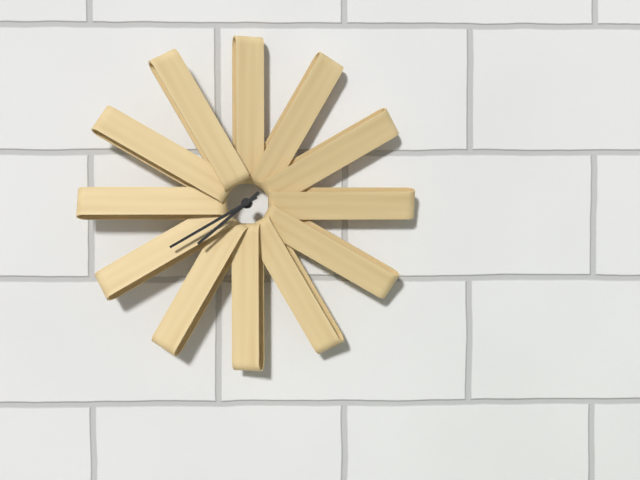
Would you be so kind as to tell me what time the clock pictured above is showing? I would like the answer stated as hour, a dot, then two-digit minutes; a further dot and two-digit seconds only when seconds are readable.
7.40
